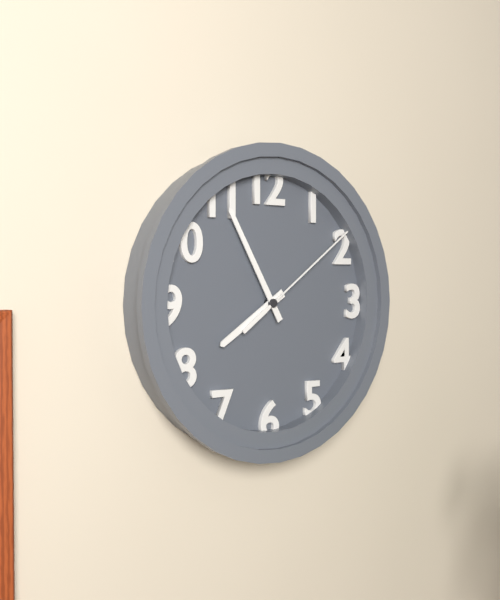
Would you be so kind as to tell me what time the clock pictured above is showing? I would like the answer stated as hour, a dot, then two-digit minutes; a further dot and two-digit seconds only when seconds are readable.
7.55.09
